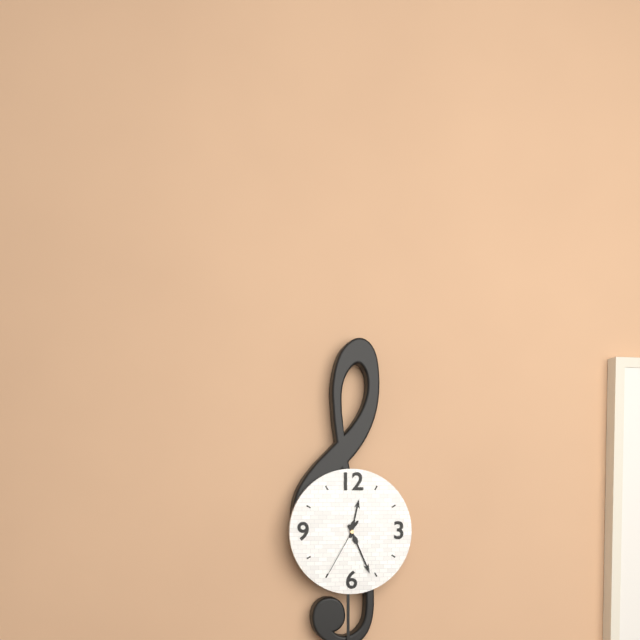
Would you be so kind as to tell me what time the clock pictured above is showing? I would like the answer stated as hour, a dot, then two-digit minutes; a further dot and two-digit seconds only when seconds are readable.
12.26.35
